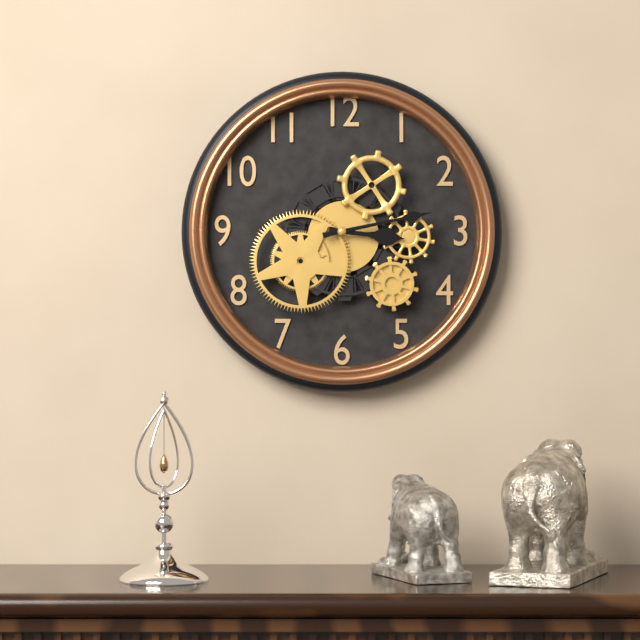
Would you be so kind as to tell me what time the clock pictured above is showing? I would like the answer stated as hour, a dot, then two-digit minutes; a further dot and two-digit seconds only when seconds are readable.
3.13
